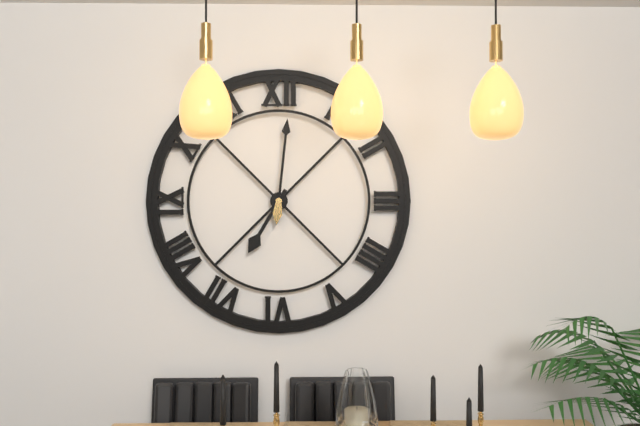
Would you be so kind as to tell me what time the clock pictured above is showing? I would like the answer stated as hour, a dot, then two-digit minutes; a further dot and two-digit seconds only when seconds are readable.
7.01
